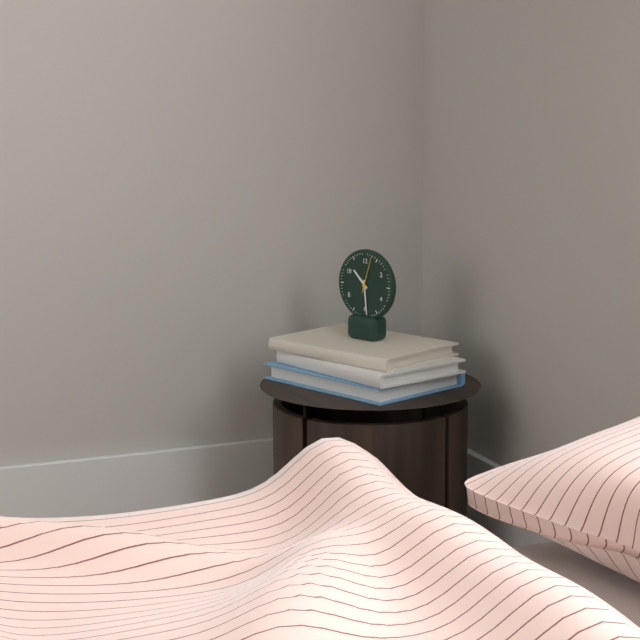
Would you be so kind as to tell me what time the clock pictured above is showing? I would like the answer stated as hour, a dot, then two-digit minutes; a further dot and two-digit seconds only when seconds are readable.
10.29
